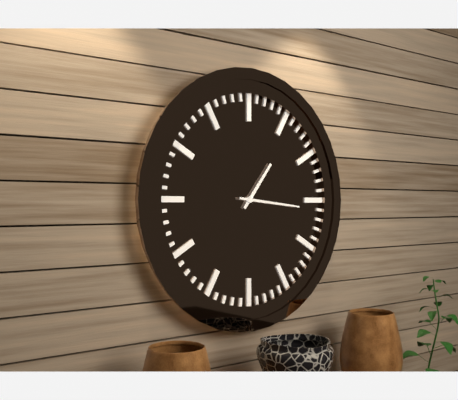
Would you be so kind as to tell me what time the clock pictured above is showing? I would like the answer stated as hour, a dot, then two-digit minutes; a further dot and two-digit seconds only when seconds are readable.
1.16
